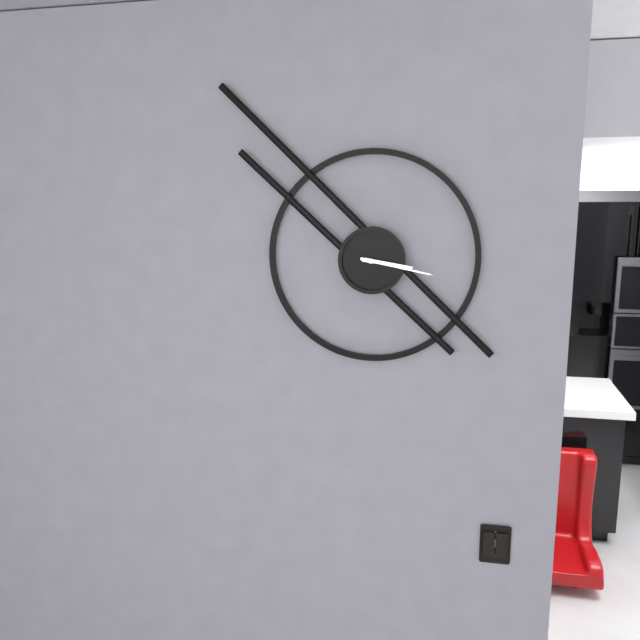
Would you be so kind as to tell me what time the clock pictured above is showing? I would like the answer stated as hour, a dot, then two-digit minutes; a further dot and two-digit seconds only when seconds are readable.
3.17
